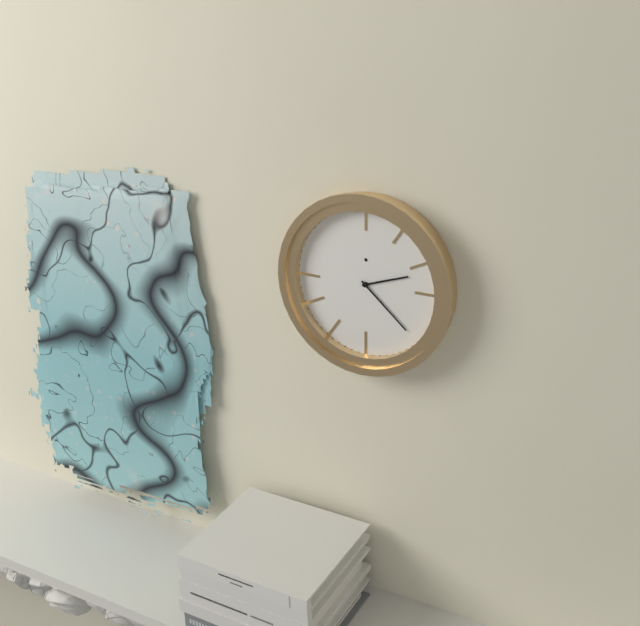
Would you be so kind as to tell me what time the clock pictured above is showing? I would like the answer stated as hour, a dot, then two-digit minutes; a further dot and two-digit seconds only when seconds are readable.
2.22
